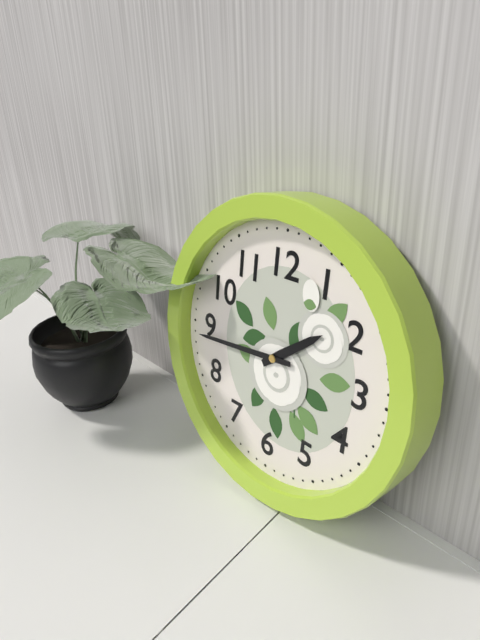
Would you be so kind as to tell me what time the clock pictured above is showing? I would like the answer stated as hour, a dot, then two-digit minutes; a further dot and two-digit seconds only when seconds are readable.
1.44
